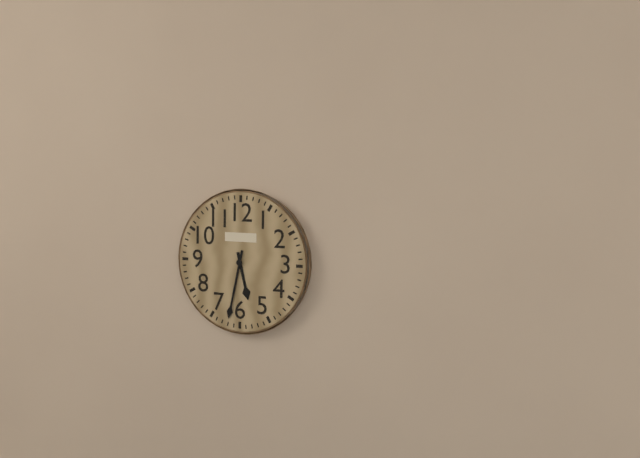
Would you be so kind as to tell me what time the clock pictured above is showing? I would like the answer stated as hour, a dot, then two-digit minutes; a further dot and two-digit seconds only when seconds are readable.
5.32
